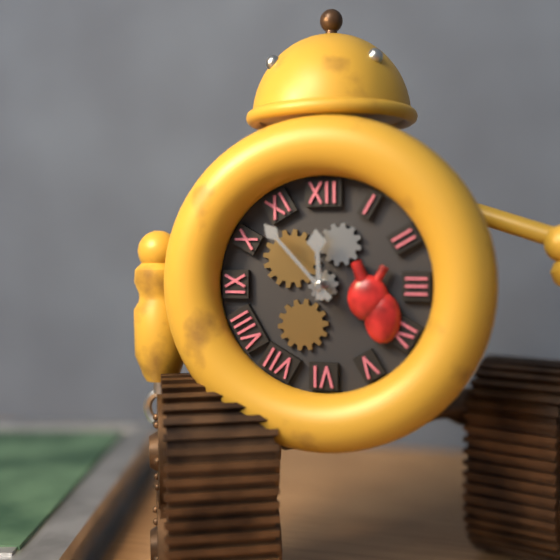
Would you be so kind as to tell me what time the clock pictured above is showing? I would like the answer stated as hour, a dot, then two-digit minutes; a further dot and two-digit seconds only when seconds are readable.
11.53
